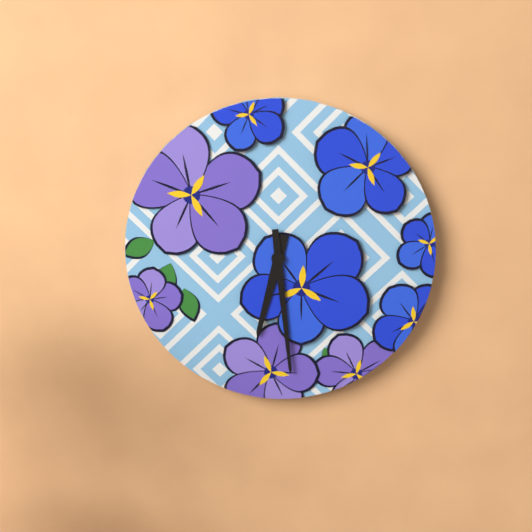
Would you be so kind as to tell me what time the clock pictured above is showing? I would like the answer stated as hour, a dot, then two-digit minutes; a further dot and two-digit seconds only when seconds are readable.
6.29
